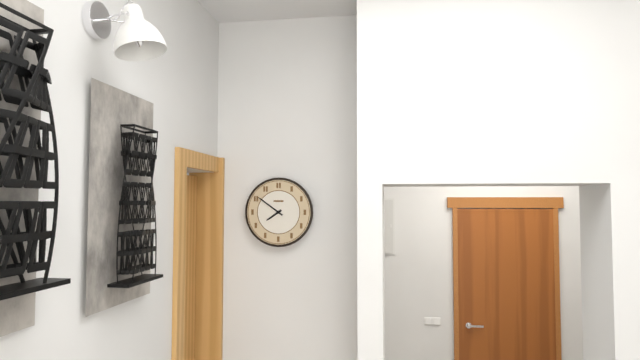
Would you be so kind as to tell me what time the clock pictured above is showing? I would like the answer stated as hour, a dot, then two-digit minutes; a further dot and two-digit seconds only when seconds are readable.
7.51
